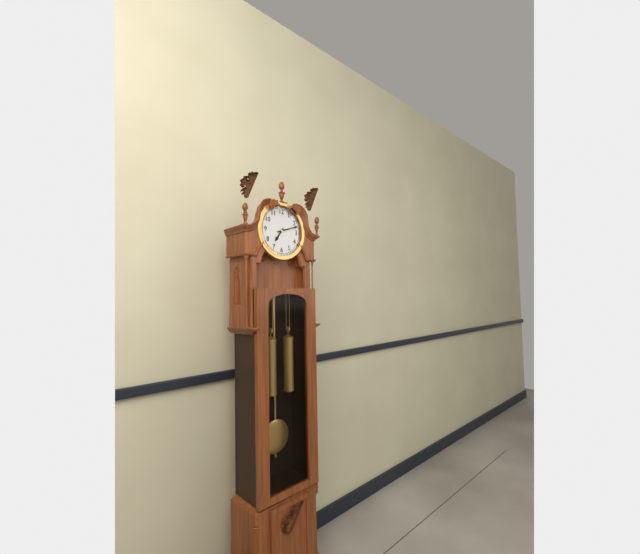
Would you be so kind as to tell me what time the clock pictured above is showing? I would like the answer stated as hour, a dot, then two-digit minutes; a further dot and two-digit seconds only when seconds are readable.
7.12
